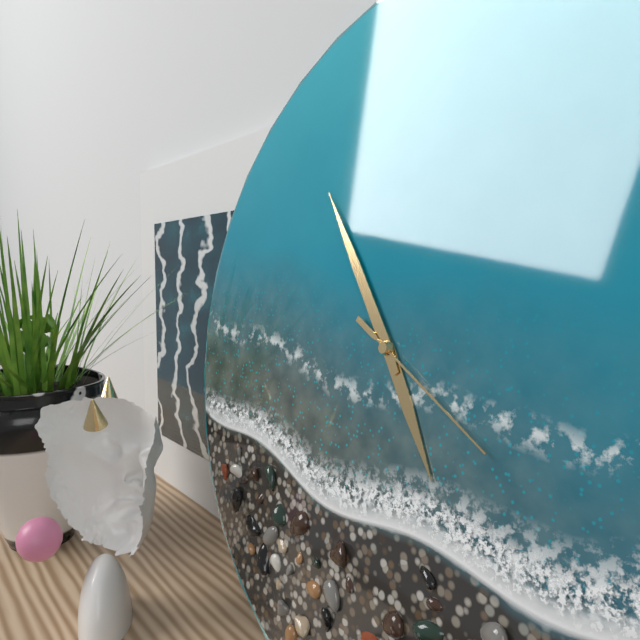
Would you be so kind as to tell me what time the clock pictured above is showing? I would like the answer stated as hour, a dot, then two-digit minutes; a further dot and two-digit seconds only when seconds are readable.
4.54.20
